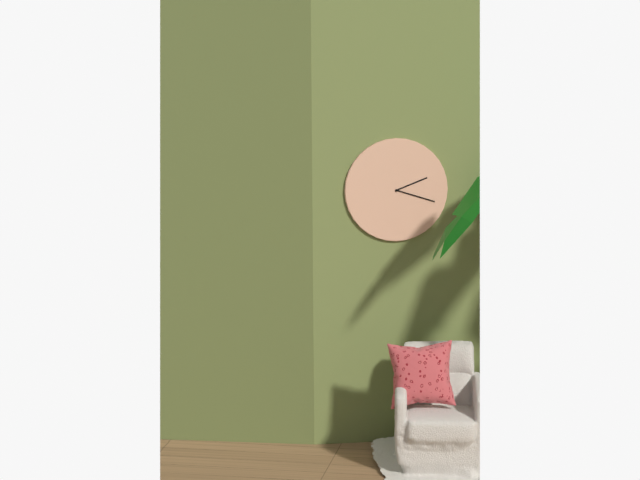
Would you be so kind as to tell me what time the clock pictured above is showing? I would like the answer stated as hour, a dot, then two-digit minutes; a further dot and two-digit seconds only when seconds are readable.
2.18
